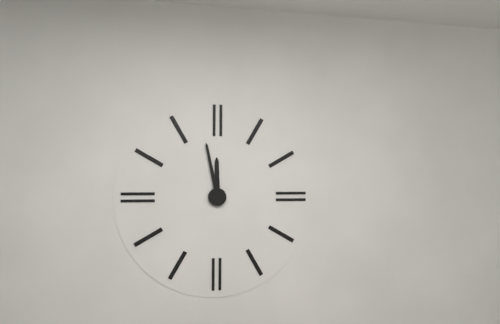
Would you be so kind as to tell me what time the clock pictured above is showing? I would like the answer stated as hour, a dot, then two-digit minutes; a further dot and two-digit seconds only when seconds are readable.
11.58
